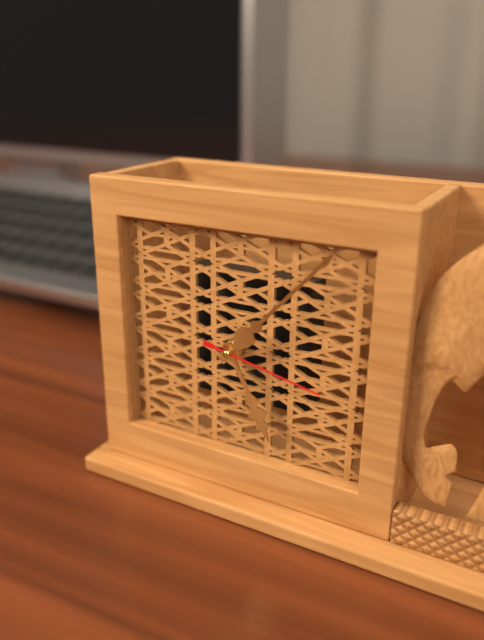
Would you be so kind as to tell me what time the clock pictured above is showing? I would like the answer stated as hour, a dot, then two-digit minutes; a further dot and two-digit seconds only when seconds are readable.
5.07.17
